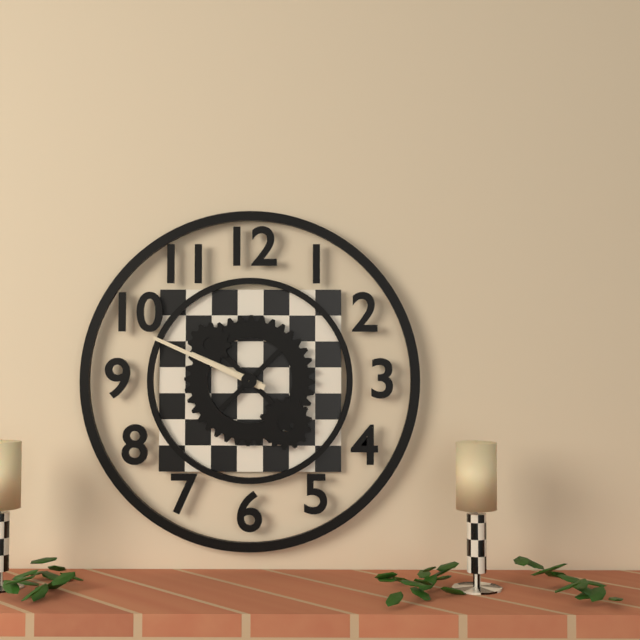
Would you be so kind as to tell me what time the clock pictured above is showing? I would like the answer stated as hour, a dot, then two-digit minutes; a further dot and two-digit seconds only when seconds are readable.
9.49
